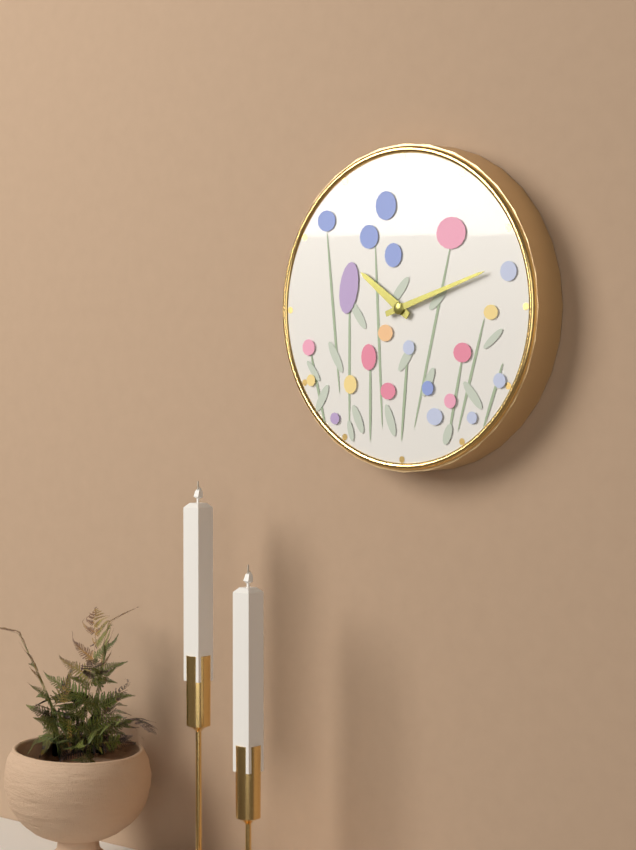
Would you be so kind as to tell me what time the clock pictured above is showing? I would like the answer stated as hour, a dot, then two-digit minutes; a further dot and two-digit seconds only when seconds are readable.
10.12
